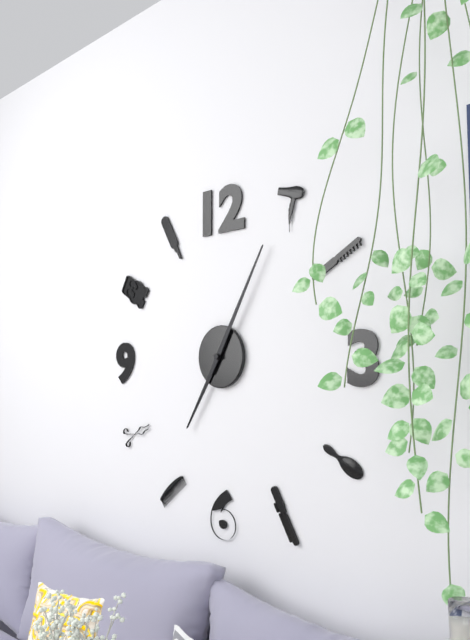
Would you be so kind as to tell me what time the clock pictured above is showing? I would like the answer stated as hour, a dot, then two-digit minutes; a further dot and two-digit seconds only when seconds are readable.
7.05
